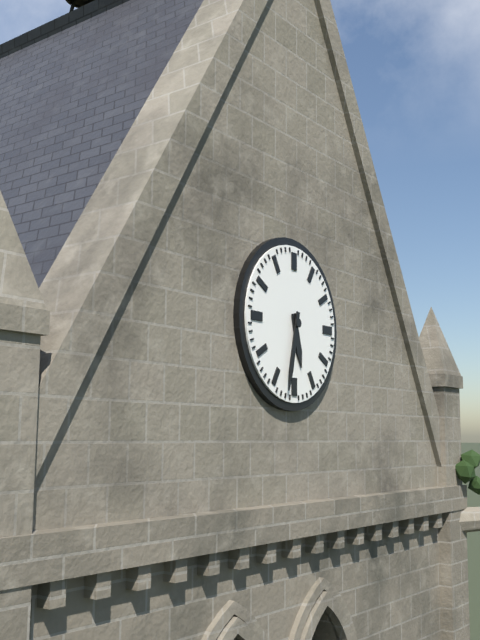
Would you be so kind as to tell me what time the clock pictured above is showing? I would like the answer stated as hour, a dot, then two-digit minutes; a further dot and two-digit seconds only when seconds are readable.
5.32
